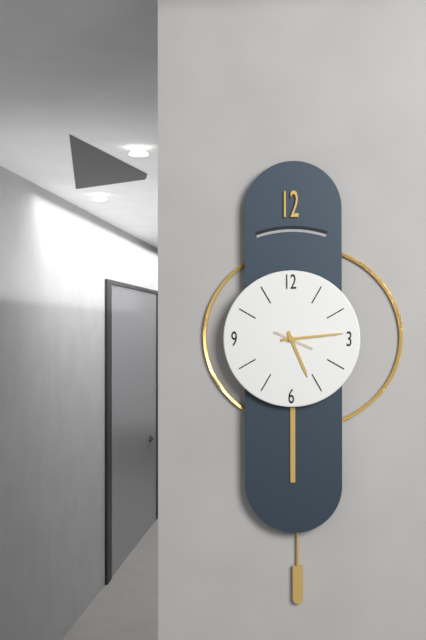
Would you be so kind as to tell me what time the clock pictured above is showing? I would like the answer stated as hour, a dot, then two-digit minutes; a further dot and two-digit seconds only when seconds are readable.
5.14
